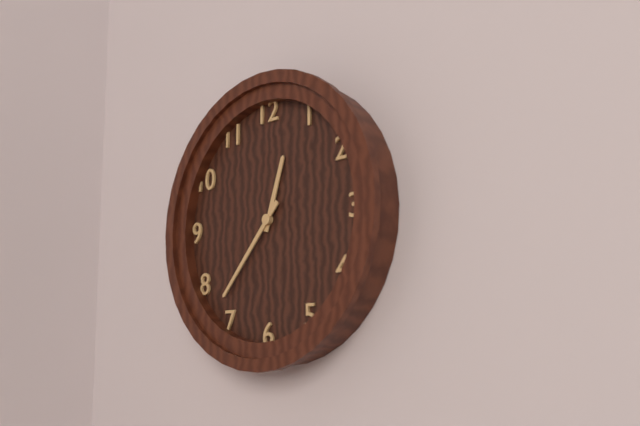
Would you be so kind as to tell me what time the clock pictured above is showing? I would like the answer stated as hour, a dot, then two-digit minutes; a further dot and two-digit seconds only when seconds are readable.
12.37
